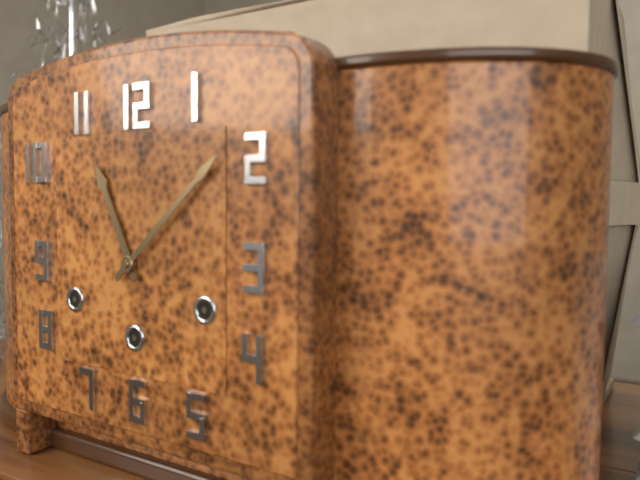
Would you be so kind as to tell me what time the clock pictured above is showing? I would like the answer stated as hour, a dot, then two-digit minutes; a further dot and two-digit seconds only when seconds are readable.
11.08
